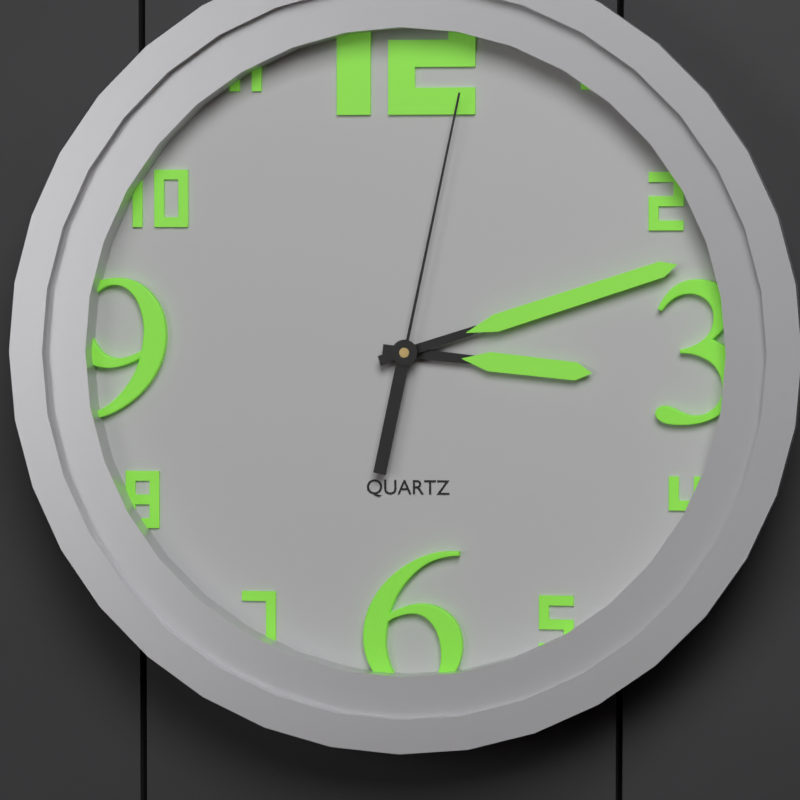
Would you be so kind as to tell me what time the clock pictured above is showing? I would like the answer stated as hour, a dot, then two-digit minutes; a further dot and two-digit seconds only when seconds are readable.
3.12.02
